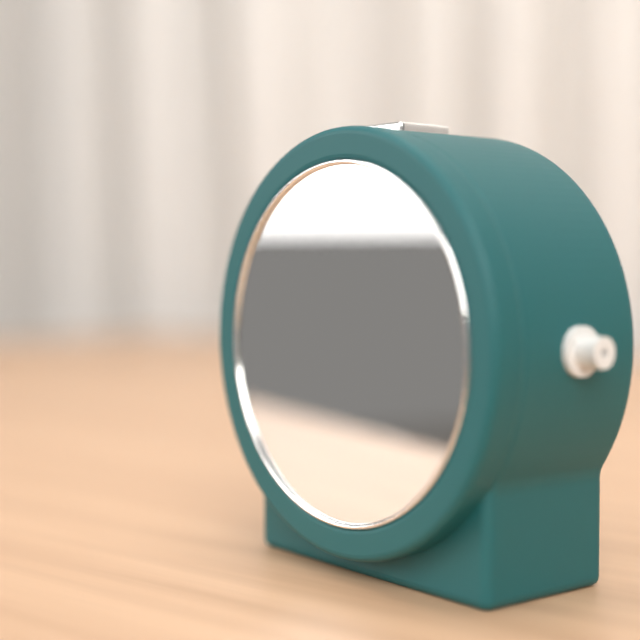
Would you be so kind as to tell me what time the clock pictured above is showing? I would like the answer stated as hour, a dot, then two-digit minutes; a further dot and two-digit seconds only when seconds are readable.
10.03.24
